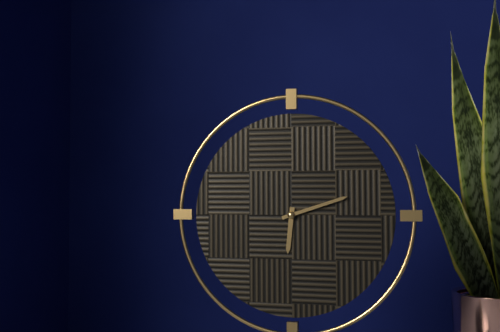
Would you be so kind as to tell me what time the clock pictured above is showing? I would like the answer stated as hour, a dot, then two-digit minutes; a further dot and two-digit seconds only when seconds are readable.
6.12
